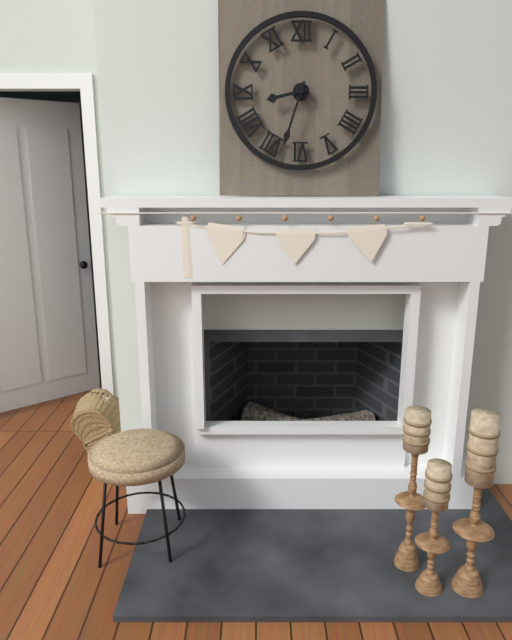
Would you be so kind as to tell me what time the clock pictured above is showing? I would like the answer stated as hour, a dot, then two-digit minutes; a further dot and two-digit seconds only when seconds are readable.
8.33
